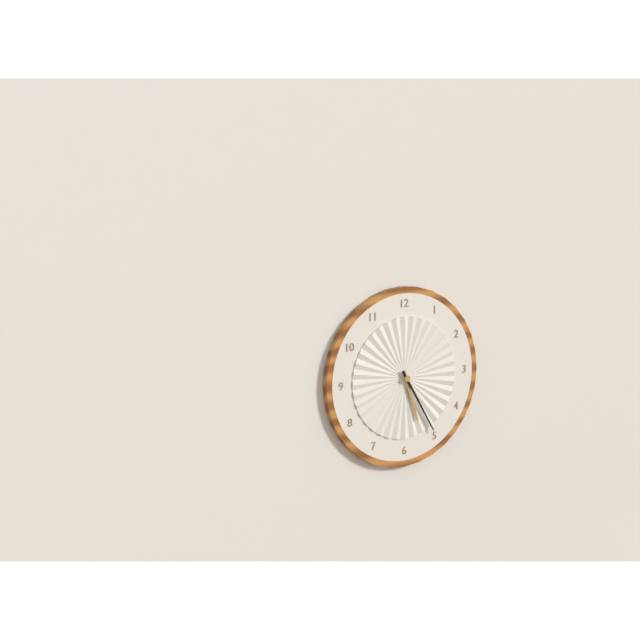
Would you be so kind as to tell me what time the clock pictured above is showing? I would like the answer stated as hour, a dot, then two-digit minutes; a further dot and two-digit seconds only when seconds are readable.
5.25
